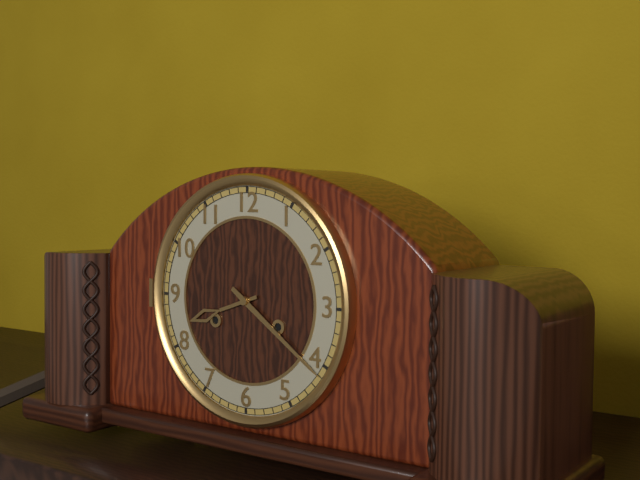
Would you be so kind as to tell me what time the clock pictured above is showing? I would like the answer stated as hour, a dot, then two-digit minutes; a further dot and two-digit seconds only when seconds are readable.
8.21
